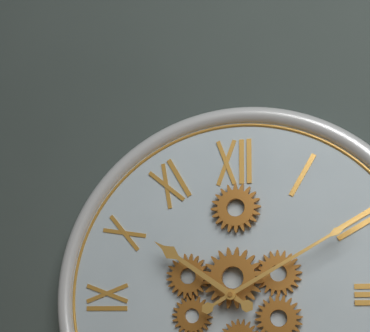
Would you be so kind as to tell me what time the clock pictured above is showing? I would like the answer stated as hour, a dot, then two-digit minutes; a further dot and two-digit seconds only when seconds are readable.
10.10
